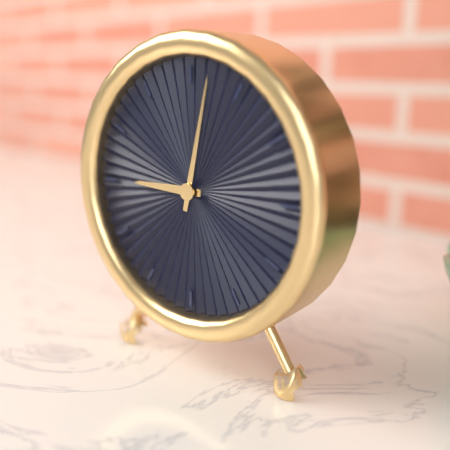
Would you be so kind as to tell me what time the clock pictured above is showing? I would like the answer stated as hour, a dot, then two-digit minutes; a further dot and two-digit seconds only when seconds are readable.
9.02
